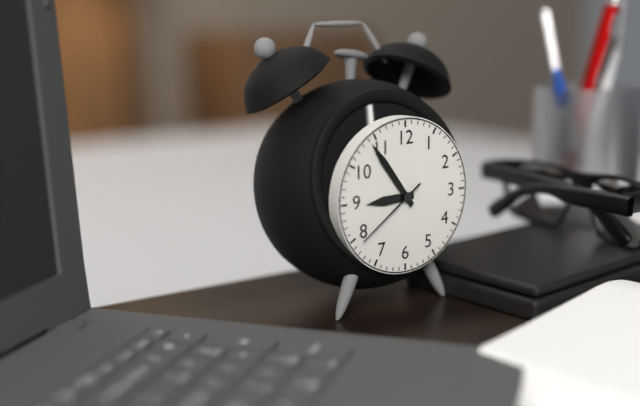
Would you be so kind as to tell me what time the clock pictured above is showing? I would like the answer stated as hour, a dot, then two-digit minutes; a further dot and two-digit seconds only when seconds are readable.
8.54.39
